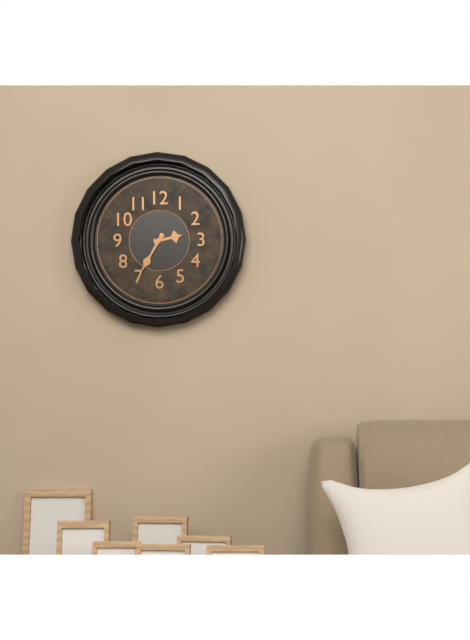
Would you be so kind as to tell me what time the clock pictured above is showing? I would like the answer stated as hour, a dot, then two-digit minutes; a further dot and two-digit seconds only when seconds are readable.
2.35
